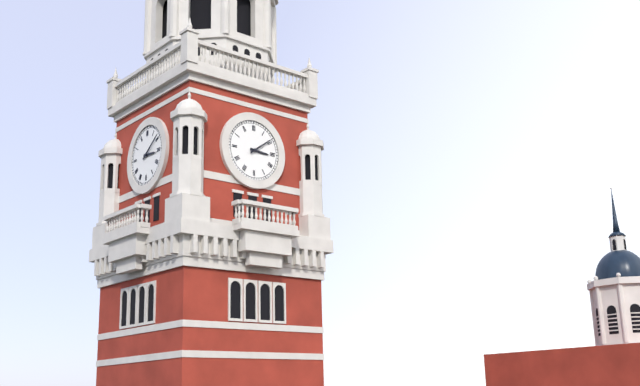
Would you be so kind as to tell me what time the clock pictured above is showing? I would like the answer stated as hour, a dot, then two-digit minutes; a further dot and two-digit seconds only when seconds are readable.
3.09
